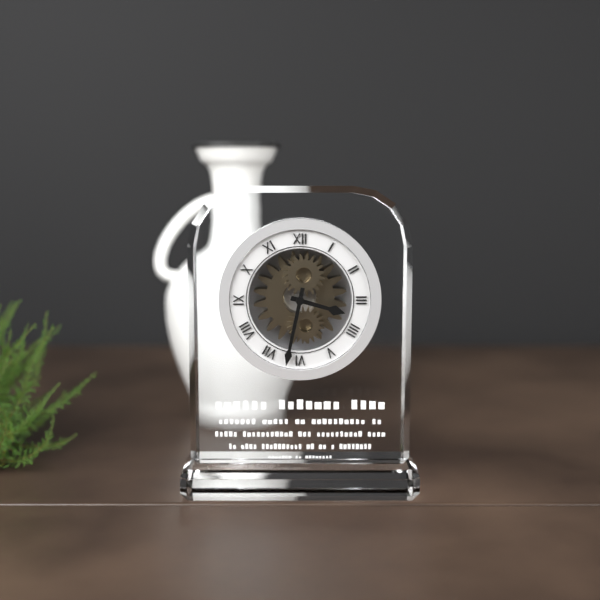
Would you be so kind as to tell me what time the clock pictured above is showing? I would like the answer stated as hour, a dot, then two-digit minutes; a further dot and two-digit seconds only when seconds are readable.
3.32
